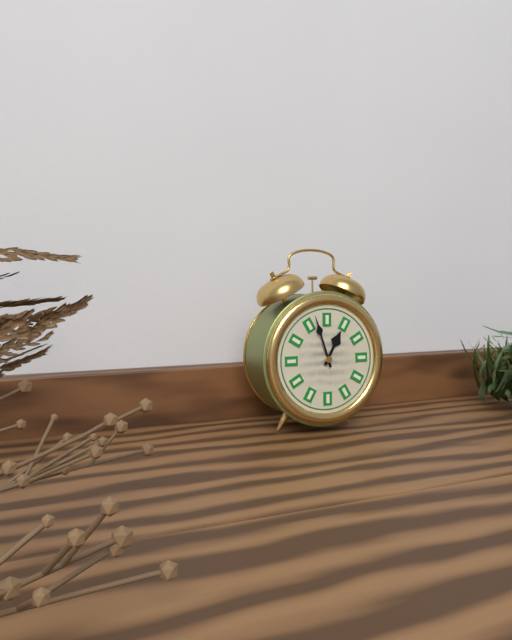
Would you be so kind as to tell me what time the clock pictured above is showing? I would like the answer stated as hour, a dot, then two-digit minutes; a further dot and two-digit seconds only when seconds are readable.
12.57
